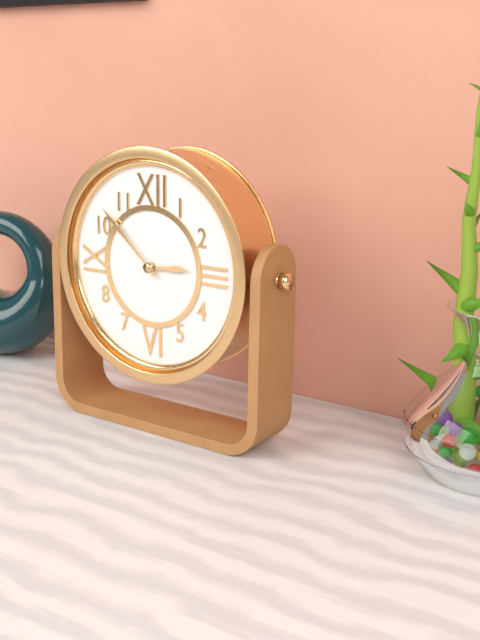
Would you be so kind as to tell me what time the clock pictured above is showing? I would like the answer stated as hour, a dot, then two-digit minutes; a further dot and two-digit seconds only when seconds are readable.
2.52
